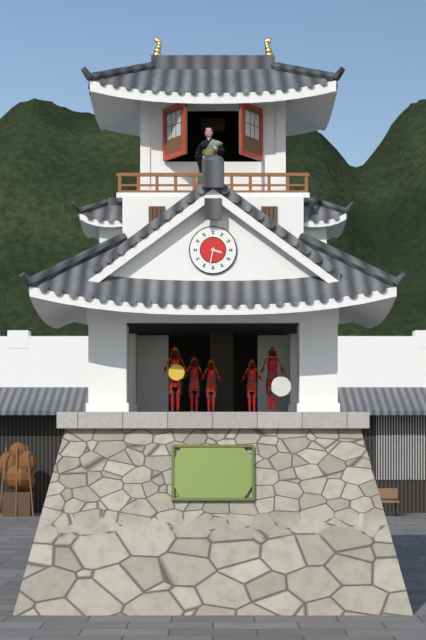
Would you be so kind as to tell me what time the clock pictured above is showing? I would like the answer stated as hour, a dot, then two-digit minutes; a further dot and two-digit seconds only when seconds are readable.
3.32
